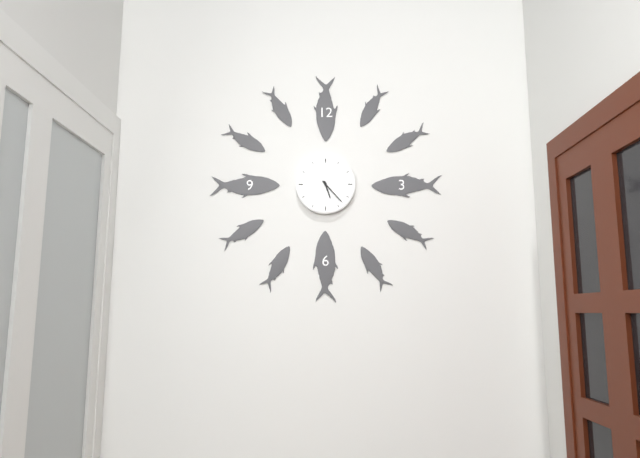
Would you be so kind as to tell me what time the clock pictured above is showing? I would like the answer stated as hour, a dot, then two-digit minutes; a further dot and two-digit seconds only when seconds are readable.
5.23
